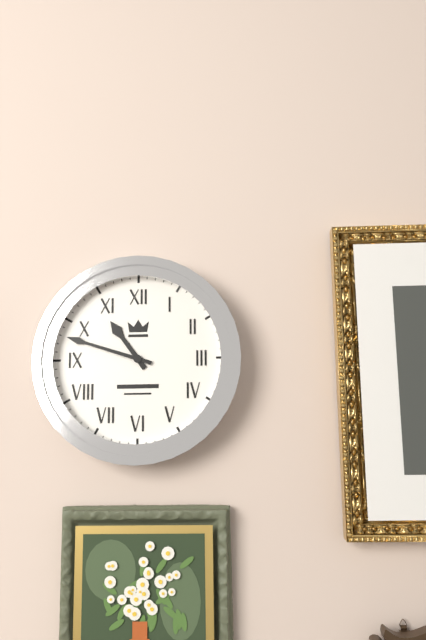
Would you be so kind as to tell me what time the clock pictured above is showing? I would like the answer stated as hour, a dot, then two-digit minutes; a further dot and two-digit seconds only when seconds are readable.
10.48
